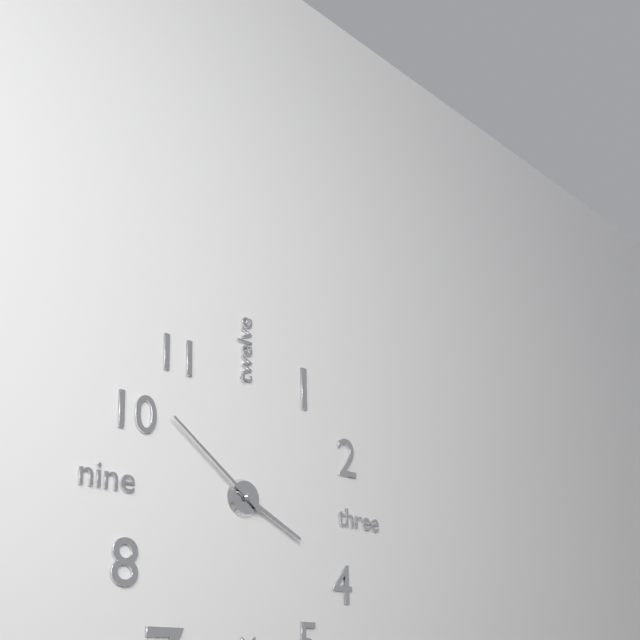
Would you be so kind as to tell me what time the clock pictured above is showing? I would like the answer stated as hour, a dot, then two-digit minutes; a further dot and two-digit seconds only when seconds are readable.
3.51
